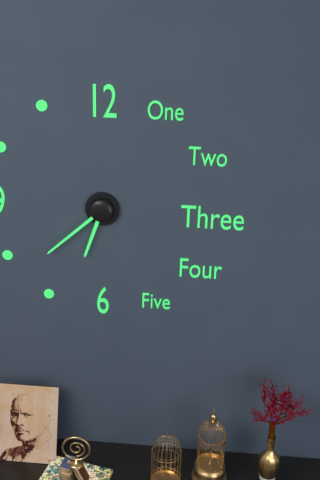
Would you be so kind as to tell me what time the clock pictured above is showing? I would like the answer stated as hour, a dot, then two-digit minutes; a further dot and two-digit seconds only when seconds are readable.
6.38
